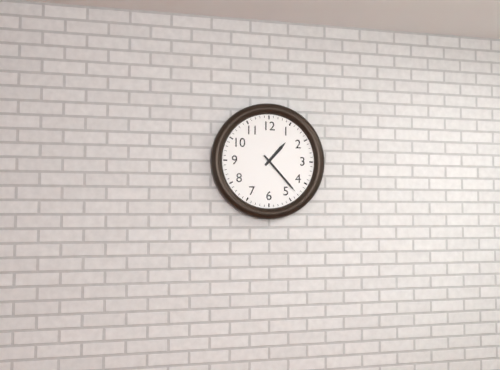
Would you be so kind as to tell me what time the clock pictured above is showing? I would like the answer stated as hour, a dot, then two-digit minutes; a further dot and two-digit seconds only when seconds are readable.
1.23
